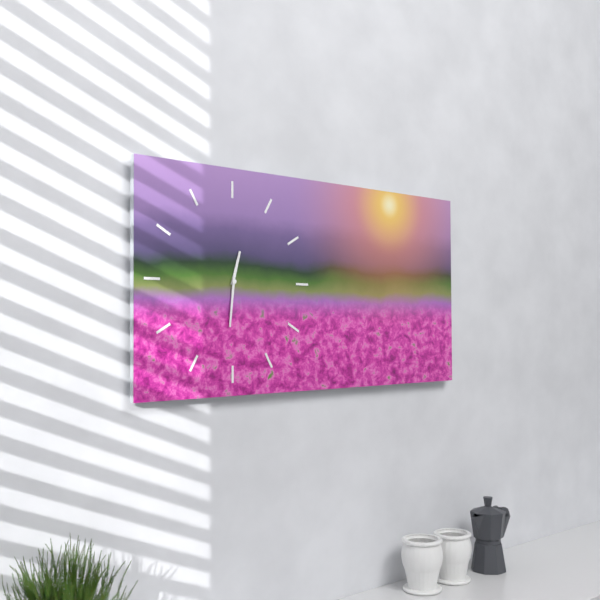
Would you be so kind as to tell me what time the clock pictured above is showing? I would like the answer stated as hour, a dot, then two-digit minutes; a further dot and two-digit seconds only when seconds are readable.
12.31
